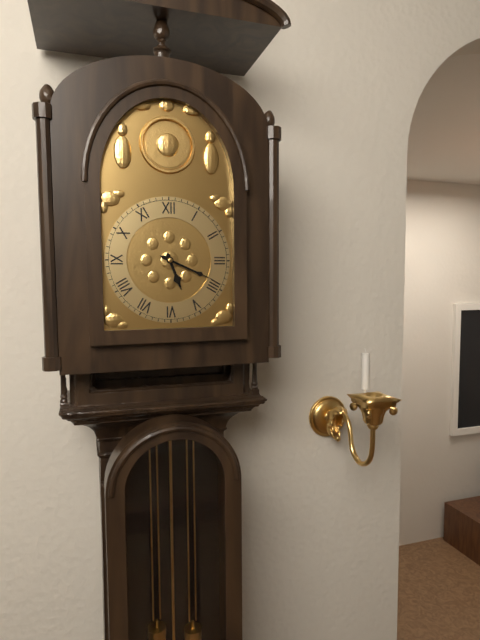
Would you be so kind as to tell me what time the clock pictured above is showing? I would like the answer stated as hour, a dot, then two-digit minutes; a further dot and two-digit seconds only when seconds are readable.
5.19
